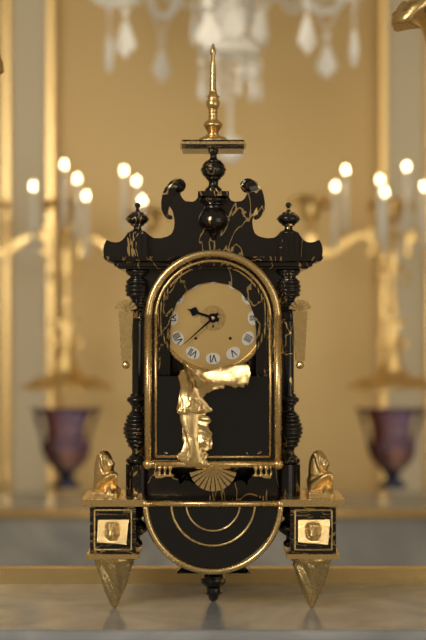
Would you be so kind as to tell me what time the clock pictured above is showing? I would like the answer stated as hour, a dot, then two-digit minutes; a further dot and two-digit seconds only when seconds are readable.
9.38
